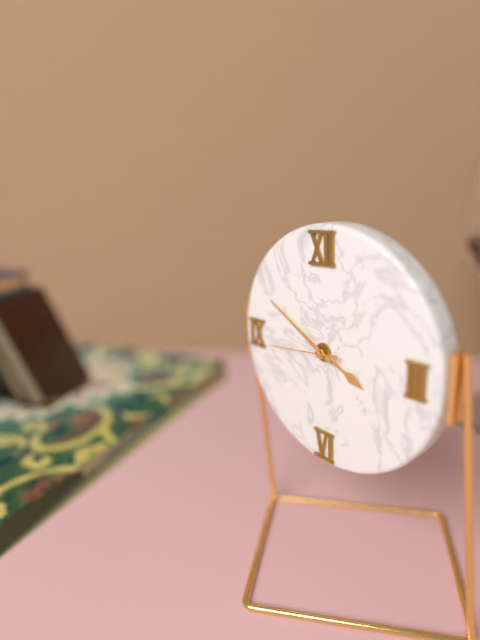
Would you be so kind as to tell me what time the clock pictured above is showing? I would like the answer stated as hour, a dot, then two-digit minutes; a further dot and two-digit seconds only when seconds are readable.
3.50.44
